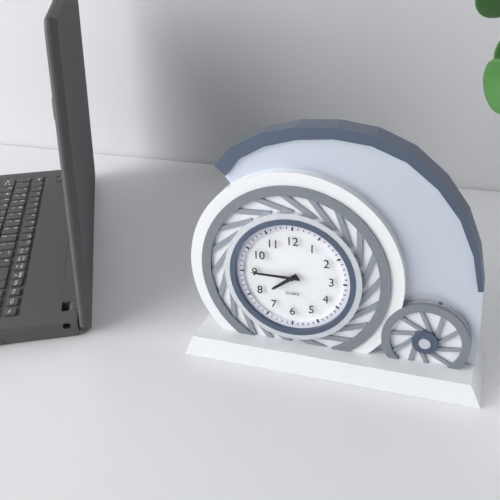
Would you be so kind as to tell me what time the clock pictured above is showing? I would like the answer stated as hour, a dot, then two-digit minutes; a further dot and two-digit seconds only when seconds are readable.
7.45
